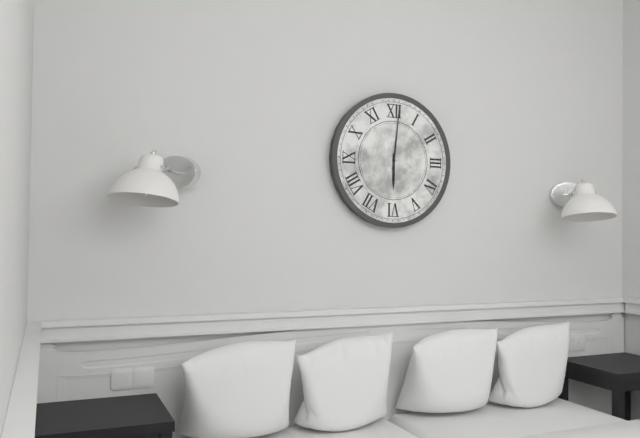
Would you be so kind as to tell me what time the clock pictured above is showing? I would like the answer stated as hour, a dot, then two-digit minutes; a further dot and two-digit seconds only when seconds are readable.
6.01
